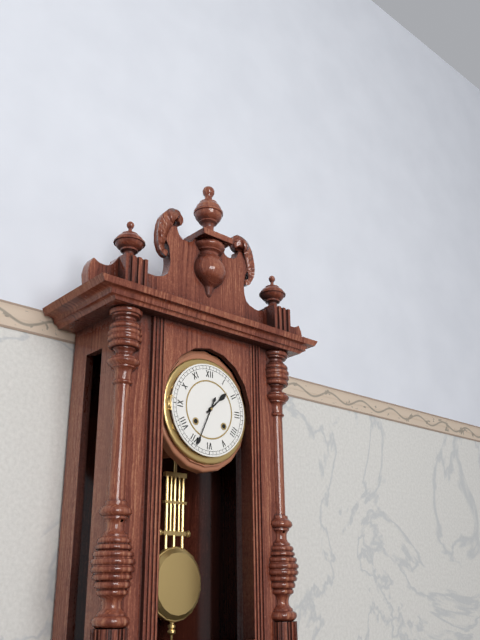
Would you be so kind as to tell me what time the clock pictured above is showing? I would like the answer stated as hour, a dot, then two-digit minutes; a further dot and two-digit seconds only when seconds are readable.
1.34
